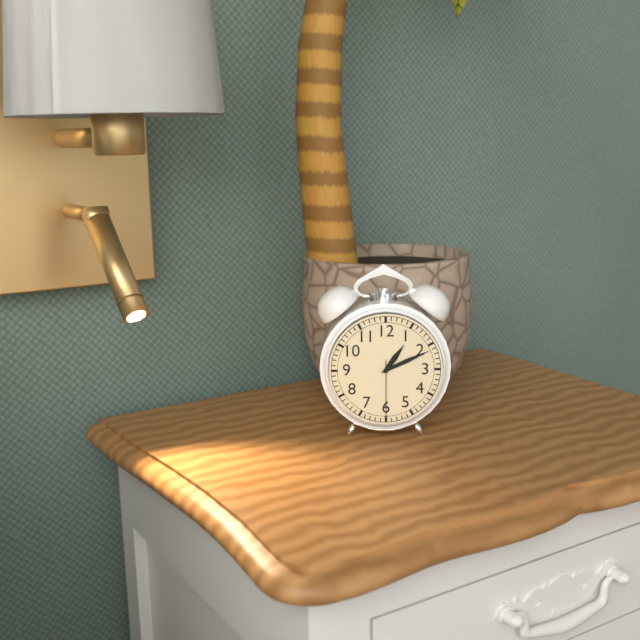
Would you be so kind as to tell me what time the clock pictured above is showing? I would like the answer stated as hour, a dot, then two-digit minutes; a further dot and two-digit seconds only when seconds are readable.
1.11.30
